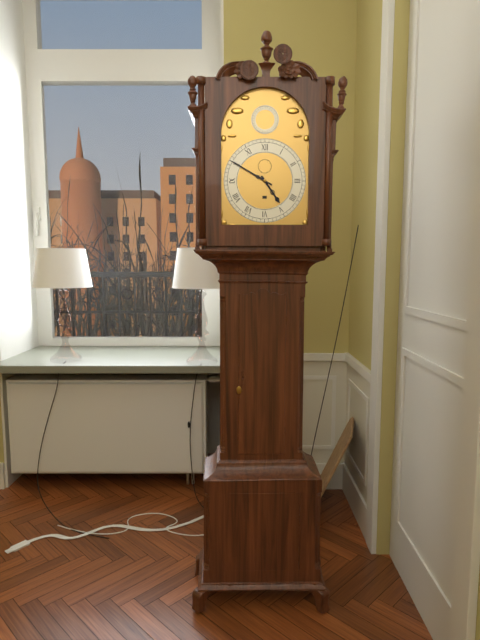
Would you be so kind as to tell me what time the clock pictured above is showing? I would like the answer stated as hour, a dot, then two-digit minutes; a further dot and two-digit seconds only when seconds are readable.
4.50
